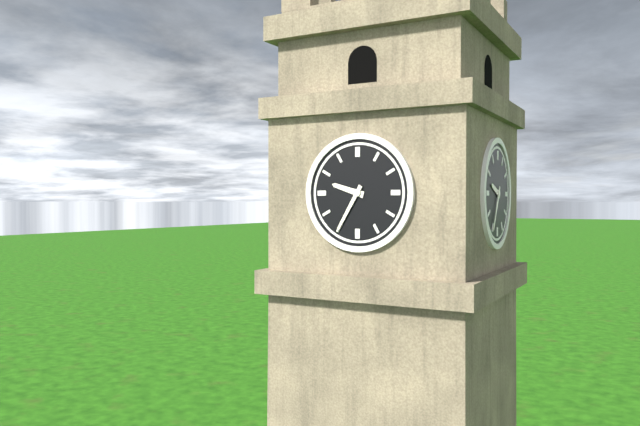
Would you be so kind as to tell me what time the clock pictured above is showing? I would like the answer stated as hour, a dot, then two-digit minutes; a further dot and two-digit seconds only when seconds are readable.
9.35
